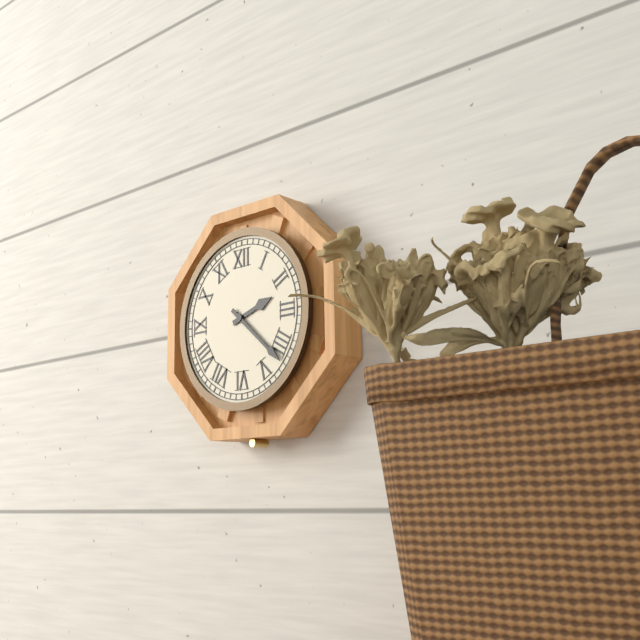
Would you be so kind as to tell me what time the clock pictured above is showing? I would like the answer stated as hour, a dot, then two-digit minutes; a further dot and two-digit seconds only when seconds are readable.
2.22
